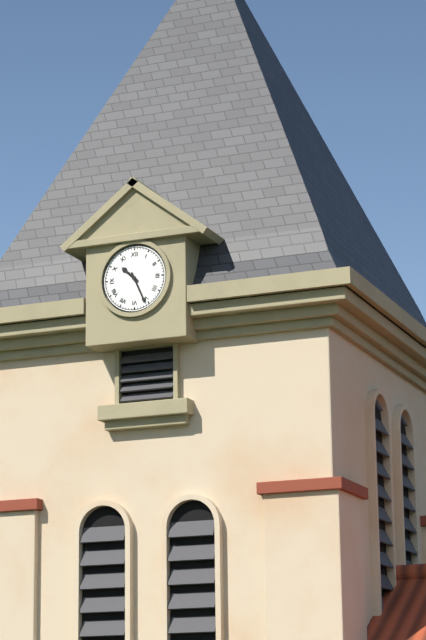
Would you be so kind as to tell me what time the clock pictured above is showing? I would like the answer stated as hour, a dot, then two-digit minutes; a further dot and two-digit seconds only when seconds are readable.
10.26
